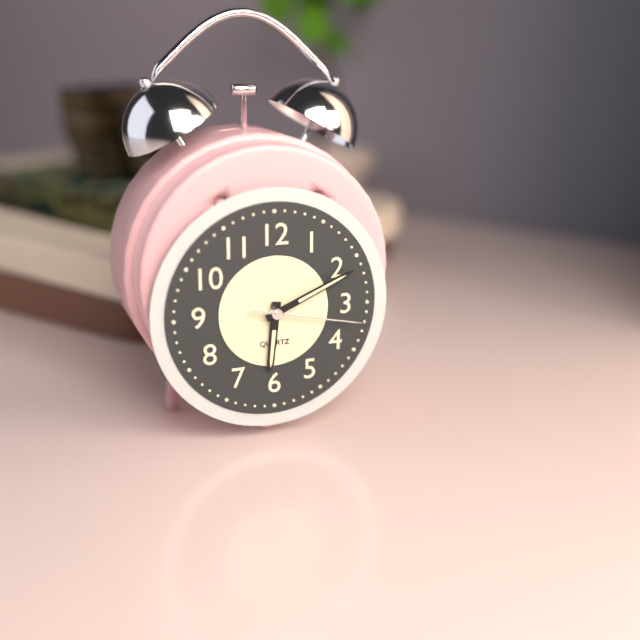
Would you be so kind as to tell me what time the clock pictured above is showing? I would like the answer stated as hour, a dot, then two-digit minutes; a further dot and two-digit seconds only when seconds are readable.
6.11.17
